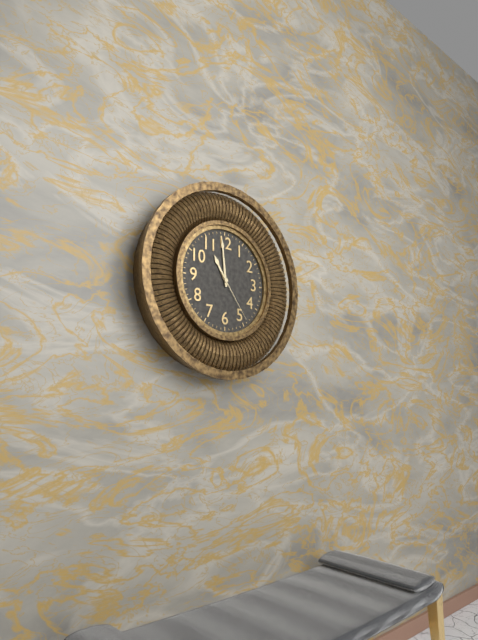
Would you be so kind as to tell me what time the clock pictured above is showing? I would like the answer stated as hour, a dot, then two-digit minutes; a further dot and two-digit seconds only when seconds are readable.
10.59.24
